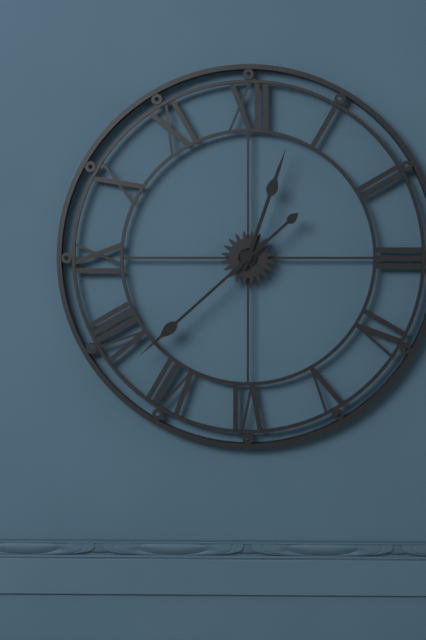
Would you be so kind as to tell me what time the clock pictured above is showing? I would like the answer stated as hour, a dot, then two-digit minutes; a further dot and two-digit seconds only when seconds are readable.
12.38
